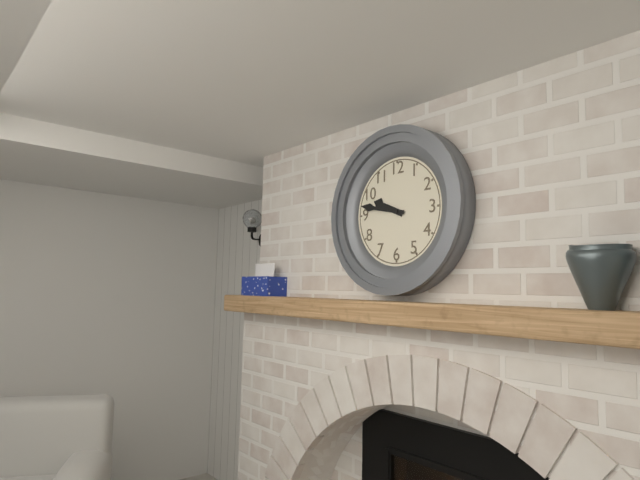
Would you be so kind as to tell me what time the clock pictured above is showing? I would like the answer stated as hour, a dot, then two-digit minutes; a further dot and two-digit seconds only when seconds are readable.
9.47
